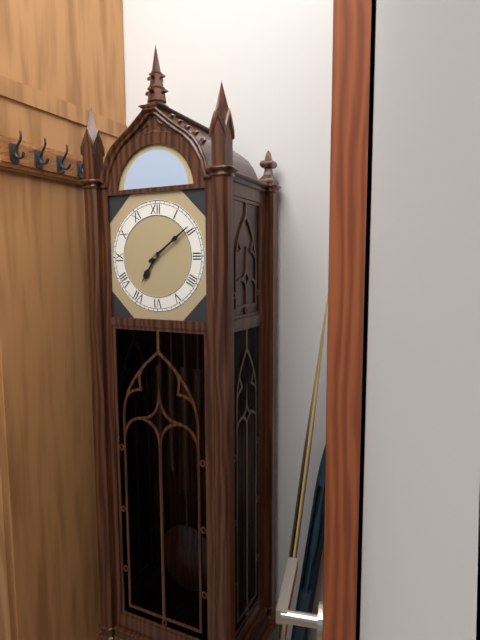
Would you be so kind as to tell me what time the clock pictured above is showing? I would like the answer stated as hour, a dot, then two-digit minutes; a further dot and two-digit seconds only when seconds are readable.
7.09
